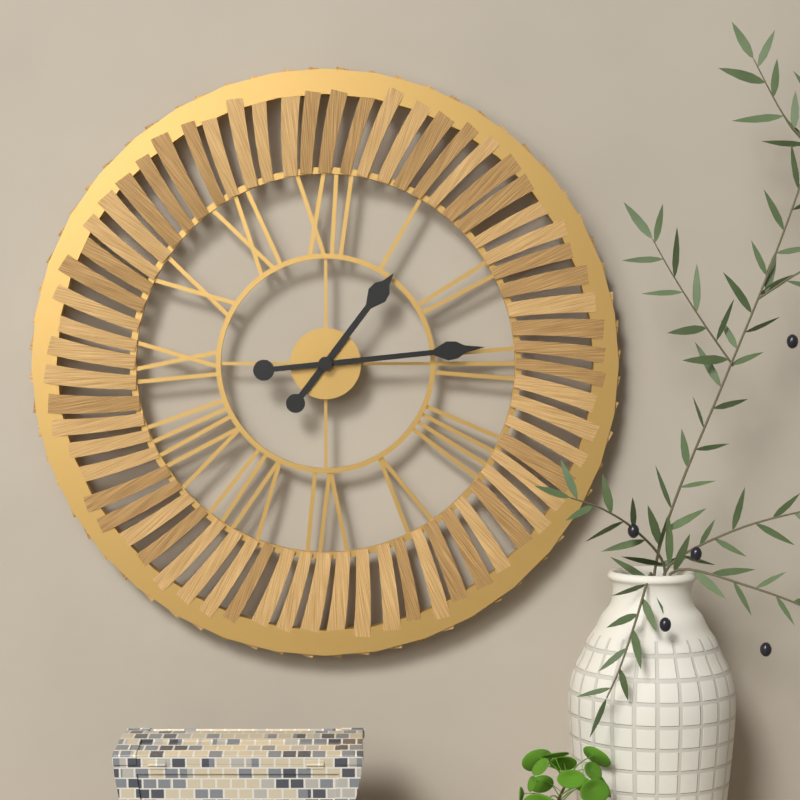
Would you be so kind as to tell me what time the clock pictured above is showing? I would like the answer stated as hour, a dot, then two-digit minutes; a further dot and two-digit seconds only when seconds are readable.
1.14
